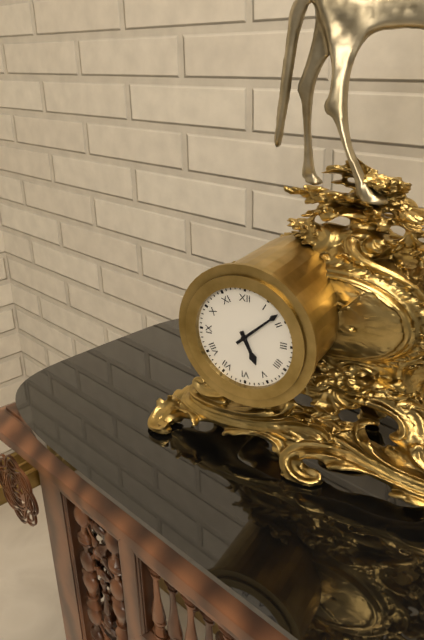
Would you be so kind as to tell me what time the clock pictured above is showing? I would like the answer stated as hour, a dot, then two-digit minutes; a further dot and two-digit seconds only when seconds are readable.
5.08
